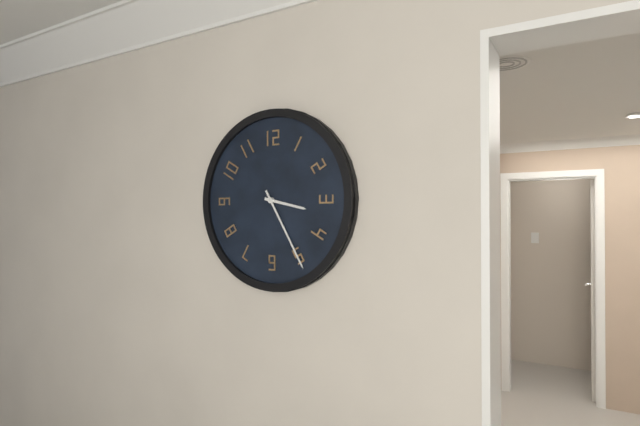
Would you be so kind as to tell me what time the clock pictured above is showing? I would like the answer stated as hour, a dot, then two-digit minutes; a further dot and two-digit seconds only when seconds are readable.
3.25
